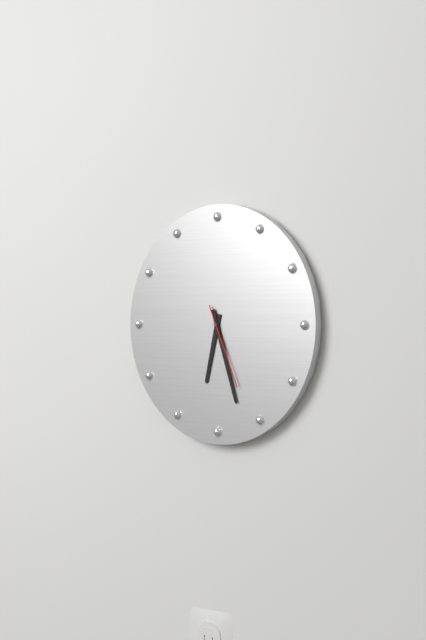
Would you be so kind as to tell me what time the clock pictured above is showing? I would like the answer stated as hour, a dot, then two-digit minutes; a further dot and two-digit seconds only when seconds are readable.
6.27.26
